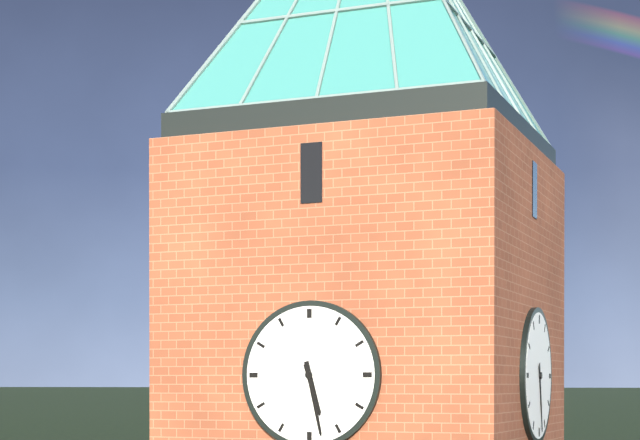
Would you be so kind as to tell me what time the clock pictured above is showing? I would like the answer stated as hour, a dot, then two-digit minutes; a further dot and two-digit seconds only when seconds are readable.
5.28
